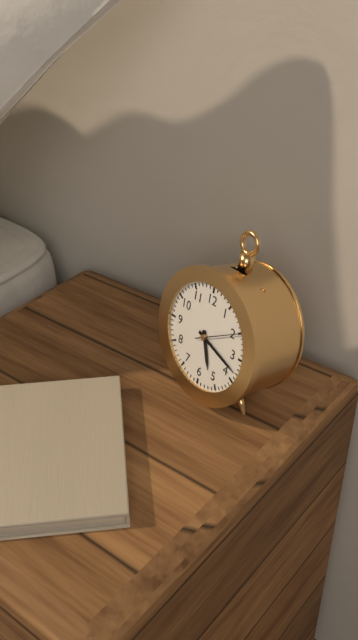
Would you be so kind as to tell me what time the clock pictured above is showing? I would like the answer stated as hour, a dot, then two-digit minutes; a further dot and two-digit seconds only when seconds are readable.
5.18
